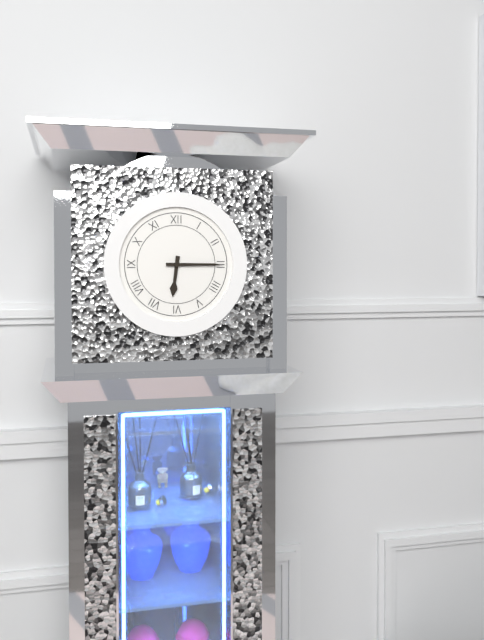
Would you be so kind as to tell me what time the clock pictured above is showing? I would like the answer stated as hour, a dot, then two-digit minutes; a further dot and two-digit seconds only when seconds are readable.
6.15
